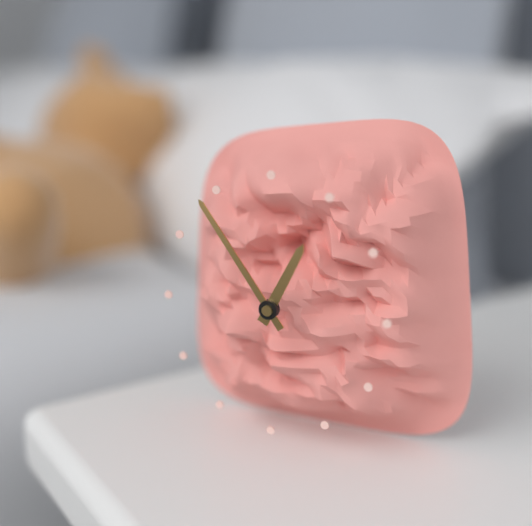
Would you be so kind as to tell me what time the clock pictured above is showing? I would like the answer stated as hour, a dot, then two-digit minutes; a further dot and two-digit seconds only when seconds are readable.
12.54
